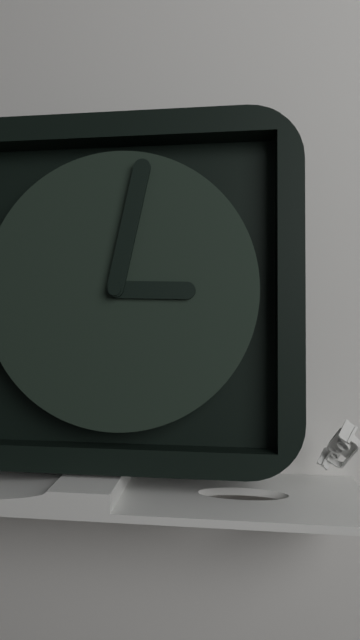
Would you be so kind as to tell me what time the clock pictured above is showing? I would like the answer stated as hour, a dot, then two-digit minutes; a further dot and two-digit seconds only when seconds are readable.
3.02
